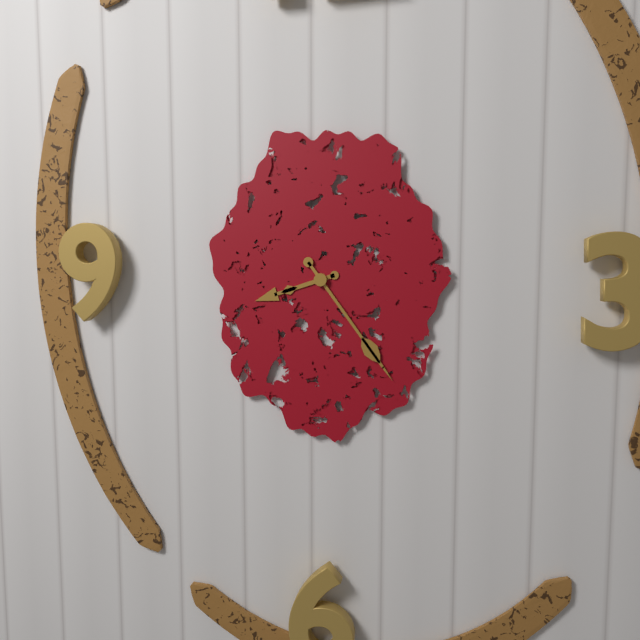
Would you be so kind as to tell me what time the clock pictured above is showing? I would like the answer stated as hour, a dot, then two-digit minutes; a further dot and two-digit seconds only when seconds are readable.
8.24
